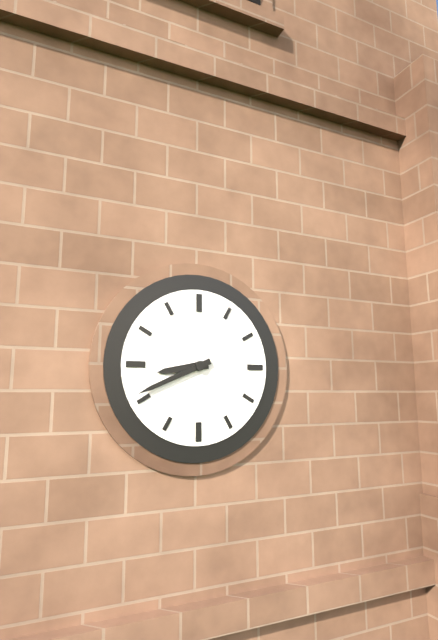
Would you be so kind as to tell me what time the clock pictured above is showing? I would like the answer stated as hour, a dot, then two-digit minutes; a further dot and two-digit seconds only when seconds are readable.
8.41
